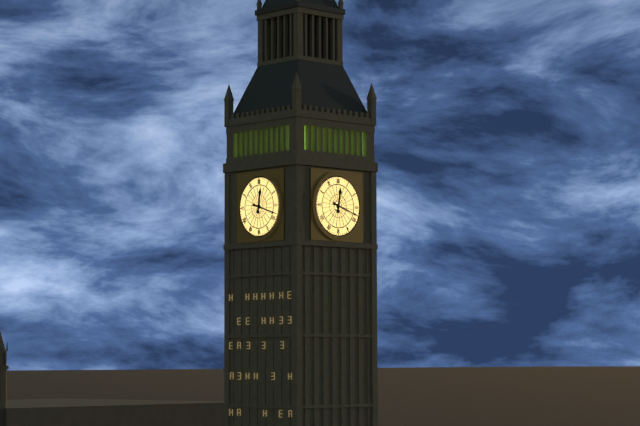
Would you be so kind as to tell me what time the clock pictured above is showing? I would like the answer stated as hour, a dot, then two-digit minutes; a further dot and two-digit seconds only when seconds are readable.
12.18
